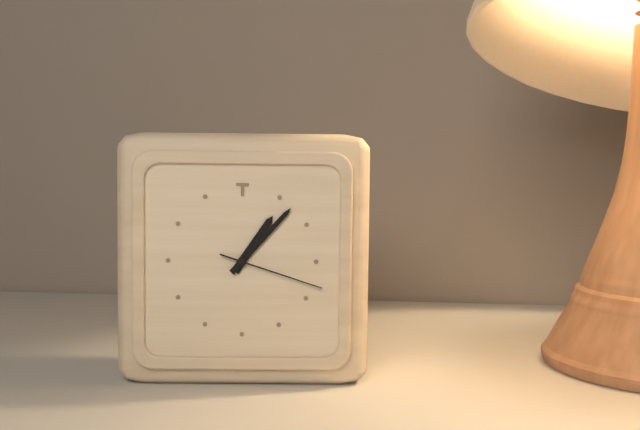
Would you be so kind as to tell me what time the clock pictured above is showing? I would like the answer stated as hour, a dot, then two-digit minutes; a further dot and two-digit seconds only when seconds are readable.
1.07.18
